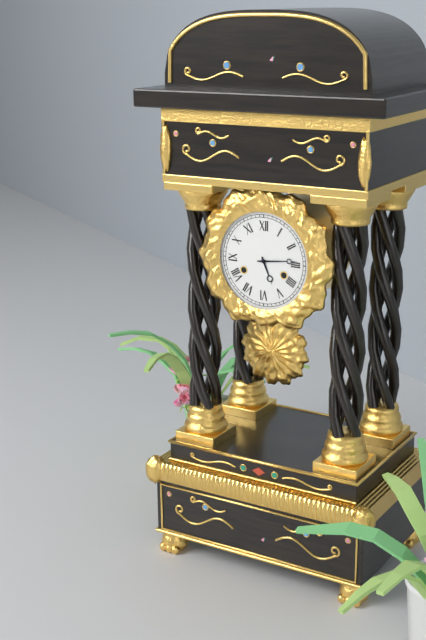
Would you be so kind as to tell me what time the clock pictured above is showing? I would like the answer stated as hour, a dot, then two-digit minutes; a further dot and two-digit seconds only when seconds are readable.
5.14
